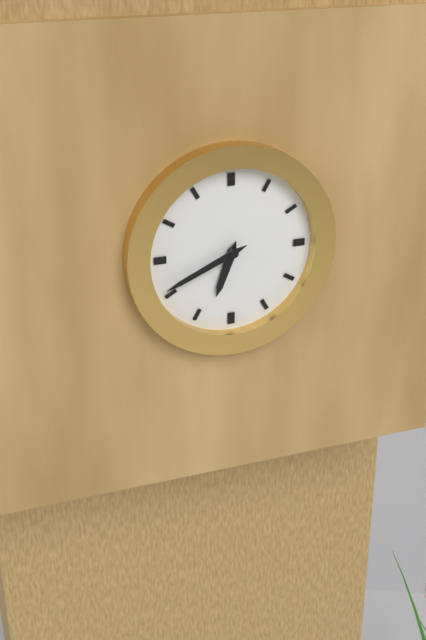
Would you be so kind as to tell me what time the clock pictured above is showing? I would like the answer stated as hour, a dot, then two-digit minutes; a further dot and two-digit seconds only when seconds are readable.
6.41
